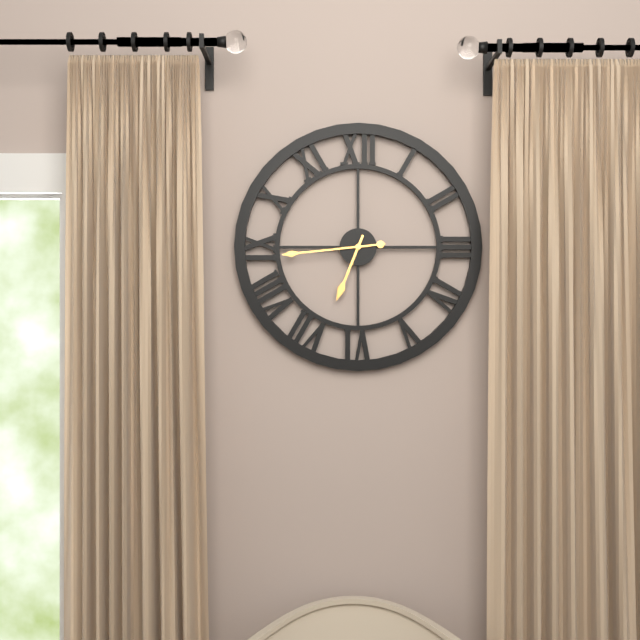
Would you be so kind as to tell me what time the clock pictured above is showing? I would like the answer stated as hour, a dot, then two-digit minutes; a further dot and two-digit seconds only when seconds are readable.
6.44
